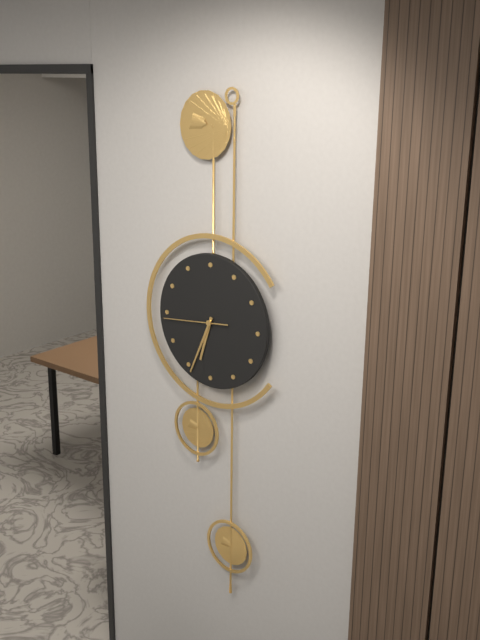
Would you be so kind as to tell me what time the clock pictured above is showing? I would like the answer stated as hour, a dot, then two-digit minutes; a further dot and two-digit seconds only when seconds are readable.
6.34.44
